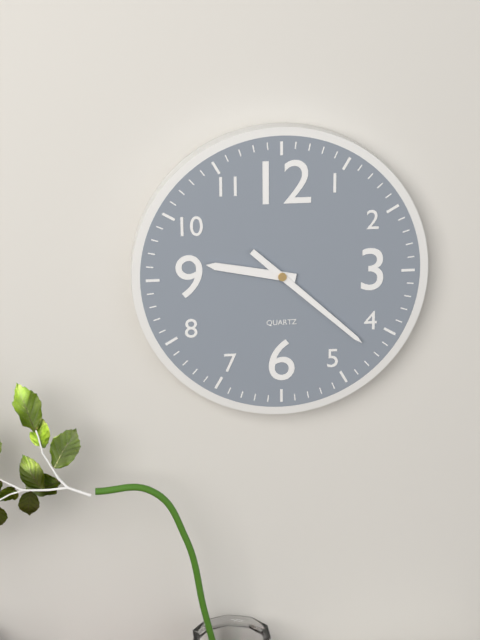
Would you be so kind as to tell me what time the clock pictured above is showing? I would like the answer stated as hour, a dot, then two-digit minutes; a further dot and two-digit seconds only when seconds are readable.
9.22
